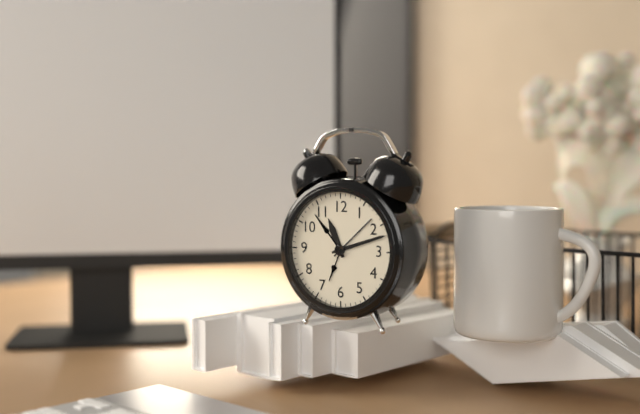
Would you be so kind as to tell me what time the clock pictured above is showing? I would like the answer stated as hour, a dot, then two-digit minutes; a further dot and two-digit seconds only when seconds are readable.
11.12
